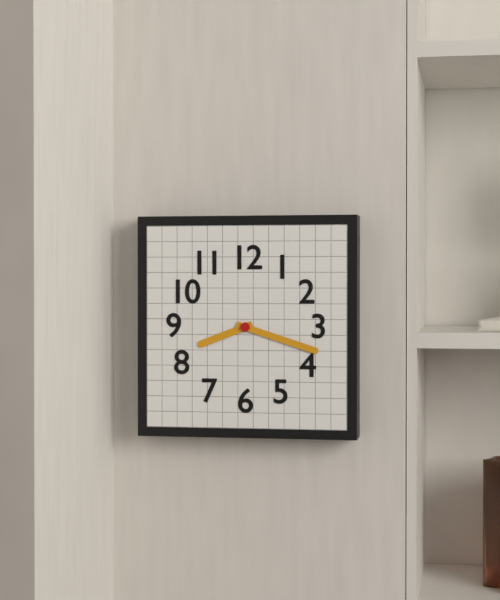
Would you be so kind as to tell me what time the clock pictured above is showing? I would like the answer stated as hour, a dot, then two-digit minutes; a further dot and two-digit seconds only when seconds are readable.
8.18
